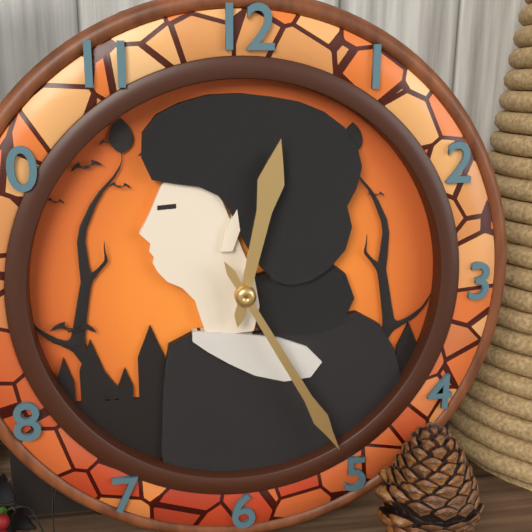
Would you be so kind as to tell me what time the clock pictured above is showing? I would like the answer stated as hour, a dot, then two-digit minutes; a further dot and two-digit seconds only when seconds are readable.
12.25
